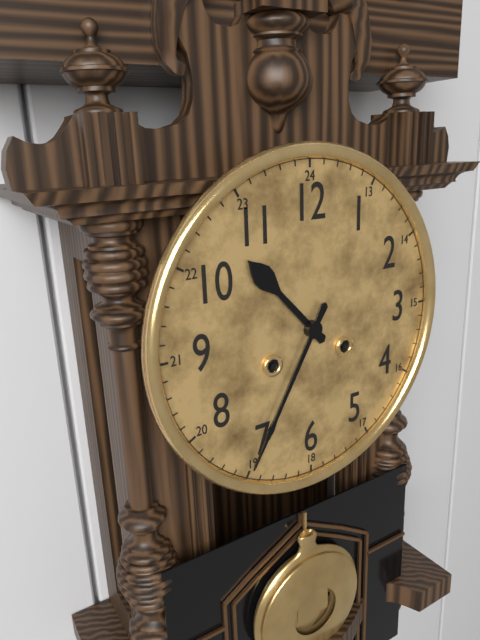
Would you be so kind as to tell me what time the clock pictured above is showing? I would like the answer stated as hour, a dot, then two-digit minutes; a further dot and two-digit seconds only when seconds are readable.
10.35
